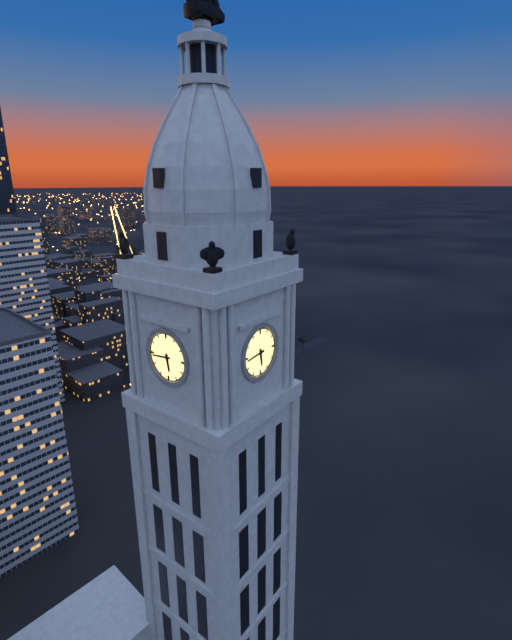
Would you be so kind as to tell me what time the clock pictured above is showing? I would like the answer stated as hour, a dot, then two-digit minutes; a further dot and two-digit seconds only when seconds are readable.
5.44
